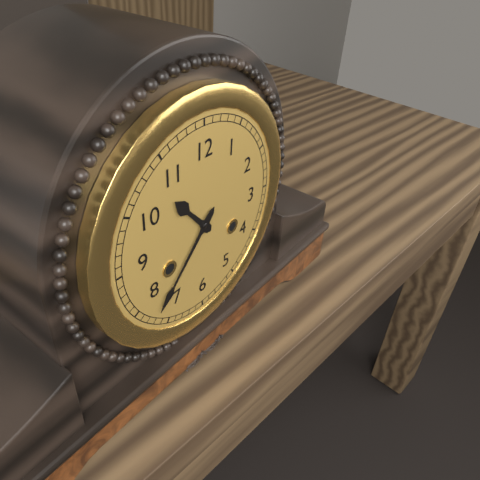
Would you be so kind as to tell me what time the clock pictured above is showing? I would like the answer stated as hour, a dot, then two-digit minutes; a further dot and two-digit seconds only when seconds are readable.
10.37
